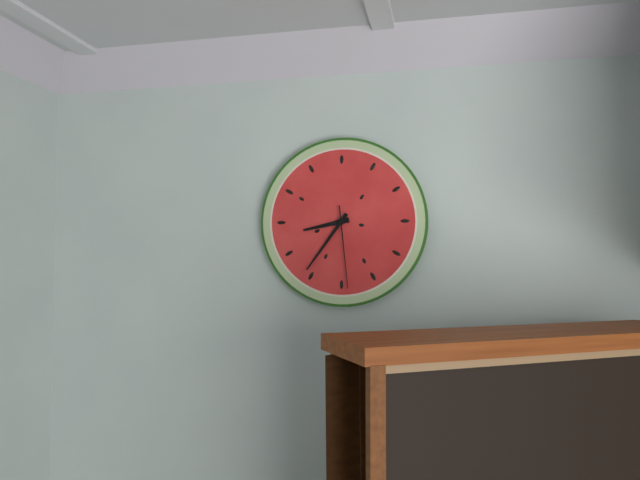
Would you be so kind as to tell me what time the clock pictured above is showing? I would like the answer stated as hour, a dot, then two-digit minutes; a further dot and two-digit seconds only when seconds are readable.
8.36.29
